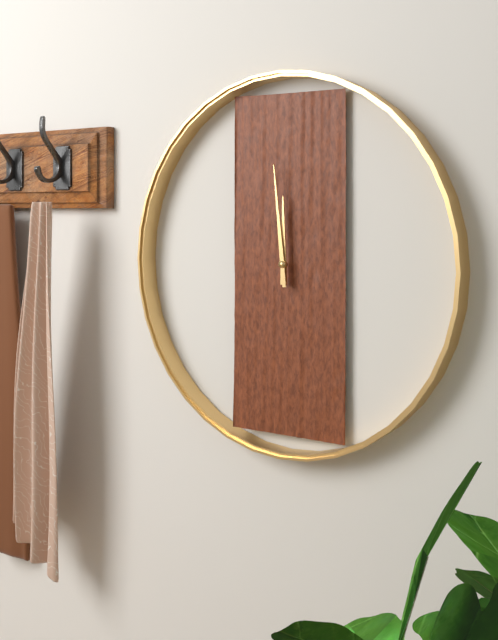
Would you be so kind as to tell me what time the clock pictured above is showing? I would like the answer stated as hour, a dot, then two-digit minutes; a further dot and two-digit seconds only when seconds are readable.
11.59
